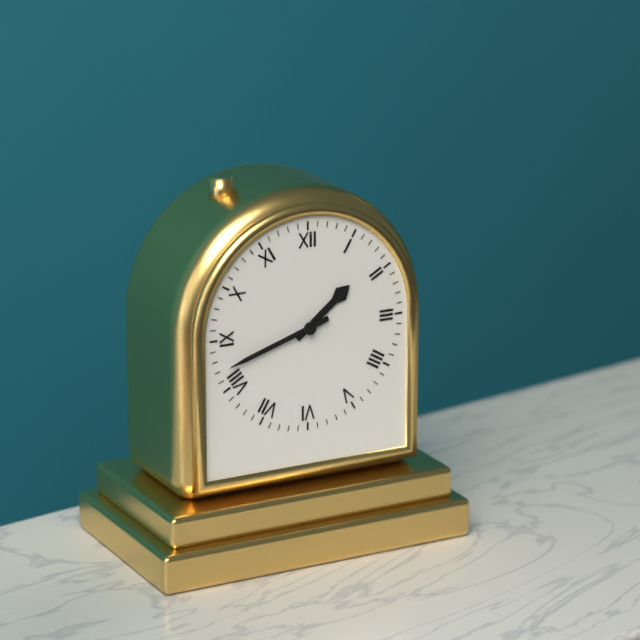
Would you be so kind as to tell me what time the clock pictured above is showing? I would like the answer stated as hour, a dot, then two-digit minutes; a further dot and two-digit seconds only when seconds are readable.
1.42
